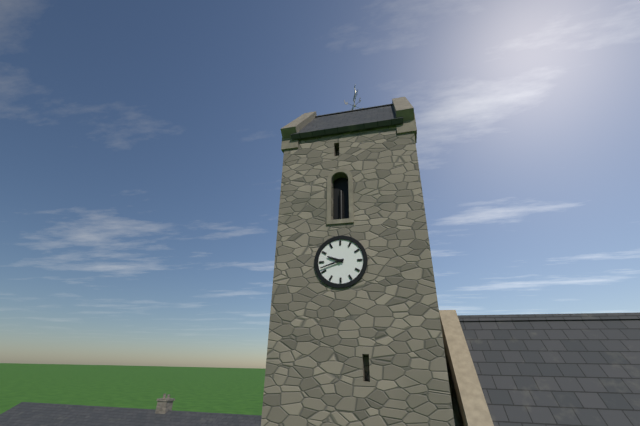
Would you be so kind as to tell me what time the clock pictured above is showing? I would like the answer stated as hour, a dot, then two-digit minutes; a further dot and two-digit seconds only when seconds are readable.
9.42
